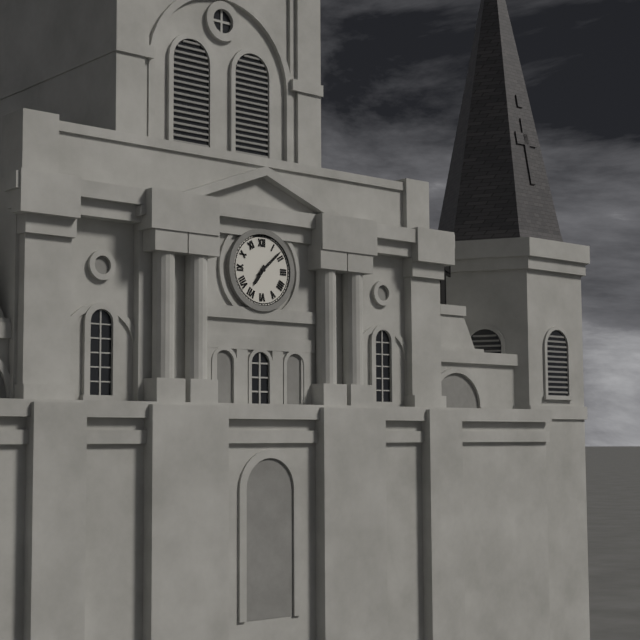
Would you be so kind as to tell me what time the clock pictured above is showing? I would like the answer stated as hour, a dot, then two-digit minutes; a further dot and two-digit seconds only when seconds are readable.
7.08
